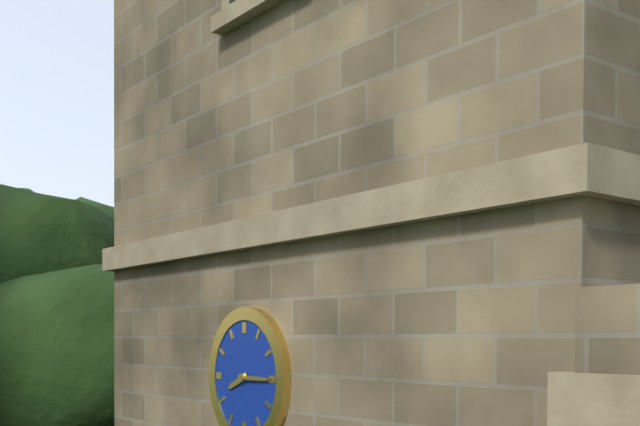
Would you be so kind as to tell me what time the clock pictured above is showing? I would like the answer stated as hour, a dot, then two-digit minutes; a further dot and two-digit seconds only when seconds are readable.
8.15
